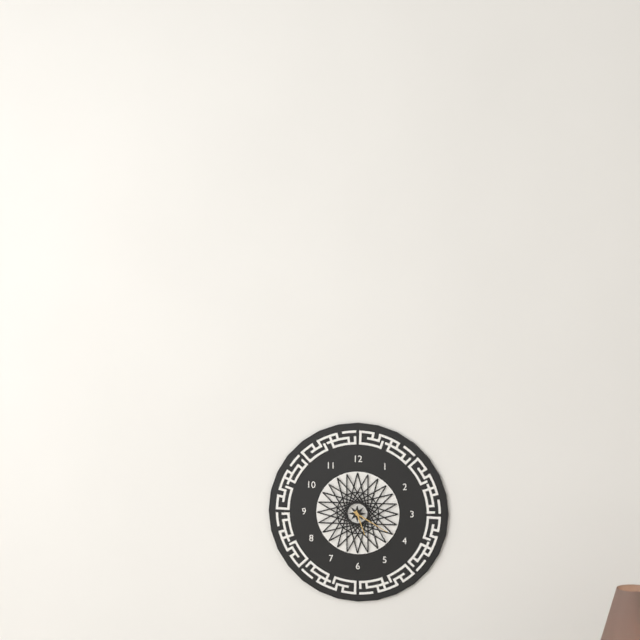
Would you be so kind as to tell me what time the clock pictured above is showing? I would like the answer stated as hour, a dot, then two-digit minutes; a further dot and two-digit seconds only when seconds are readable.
5.20
